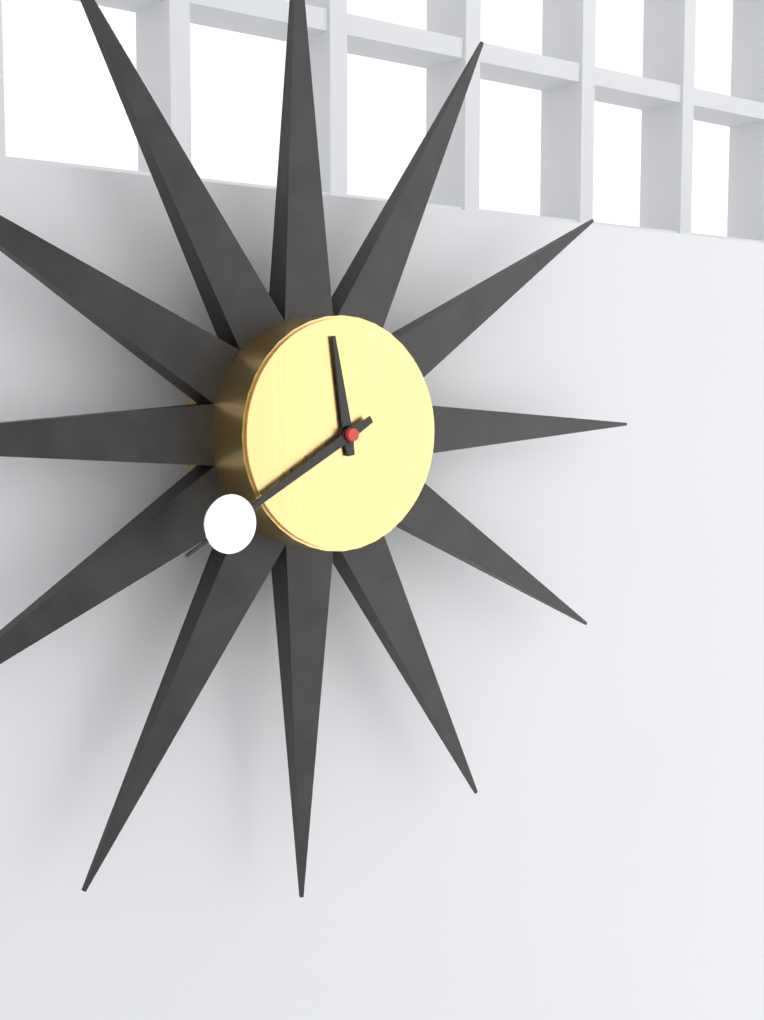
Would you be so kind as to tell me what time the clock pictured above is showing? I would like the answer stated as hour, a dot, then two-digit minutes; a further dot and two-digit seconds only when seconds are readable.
11.40
